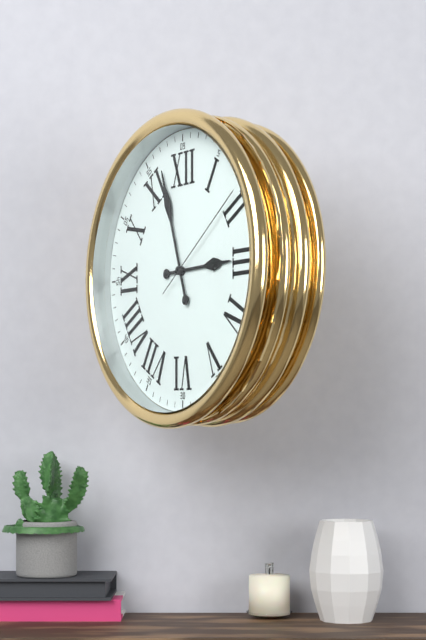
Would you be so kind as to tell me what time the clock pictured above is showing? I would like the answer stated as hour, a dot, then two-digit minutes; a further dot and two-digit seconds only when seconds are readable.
2.57.09
